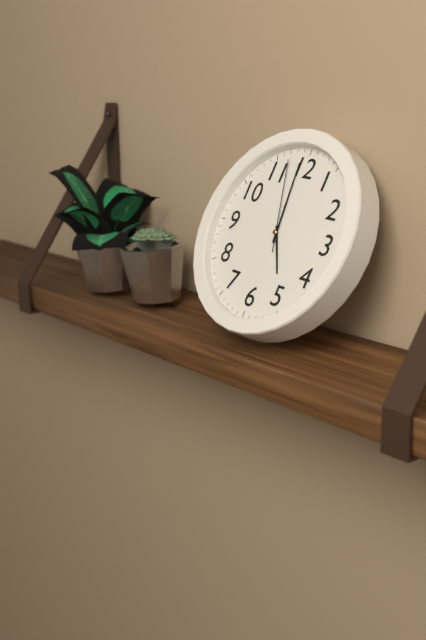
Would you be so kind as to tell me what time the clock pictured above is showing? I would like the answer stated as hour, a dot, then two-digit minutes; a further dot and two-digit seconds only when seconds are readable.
4.59.57
